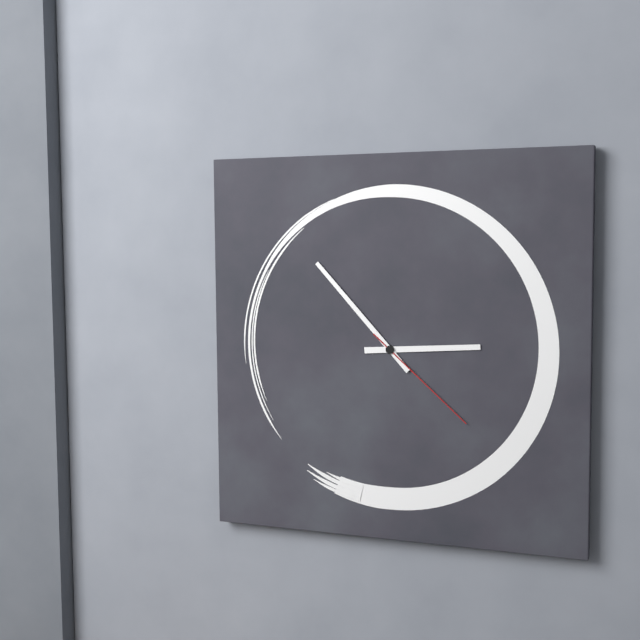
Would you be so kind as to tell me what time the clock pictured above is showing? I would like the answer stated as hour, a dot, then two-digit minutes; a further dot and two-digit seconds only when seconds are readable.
2.53.22
